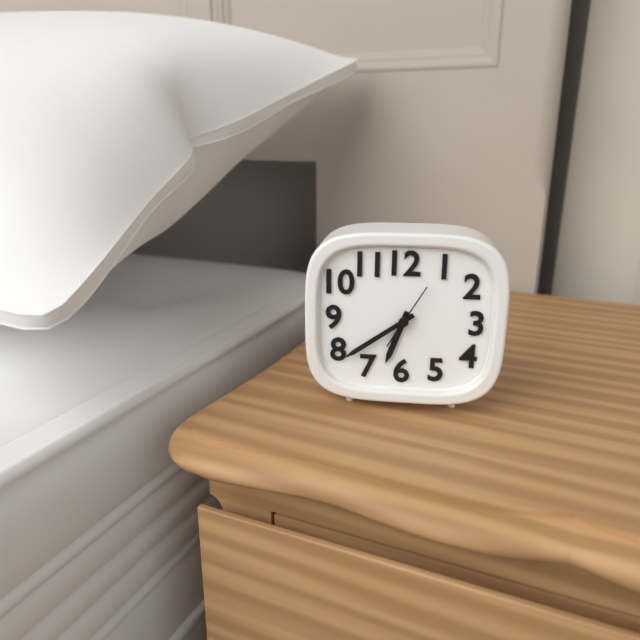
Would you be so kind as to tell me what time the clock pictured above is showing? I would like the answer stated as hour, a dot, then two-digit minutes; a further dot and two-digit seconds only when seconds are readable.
6.39.05
